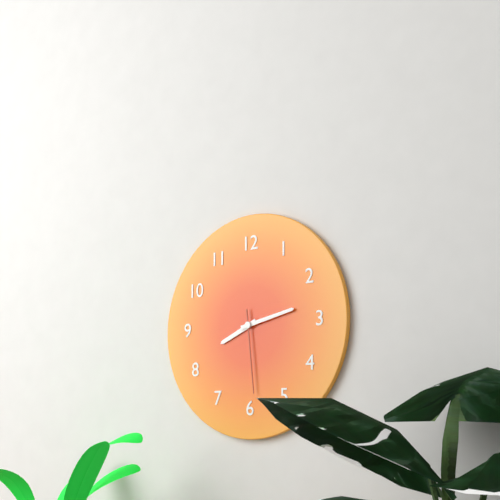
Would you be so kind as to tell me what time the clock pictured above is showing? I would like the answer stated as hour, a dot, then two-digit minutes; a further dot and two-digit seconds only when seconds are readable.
8.13.29
